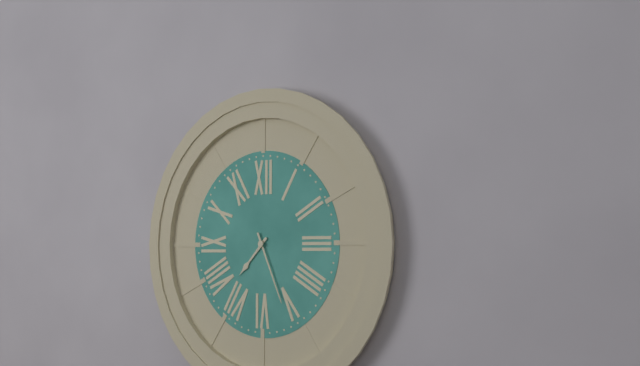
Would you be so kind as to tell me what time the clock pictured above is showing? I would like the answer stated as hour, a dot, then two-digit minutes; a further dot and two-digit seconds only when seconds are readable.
7.26
